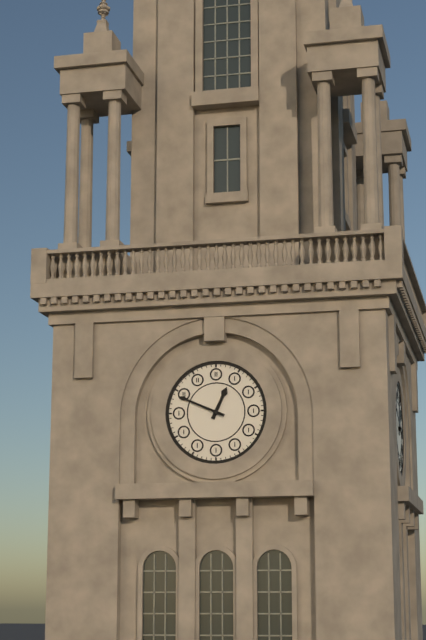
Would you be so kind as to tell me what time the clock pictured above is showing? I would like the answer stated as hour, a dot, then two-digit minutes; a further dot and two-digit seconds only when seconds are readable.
12.49
